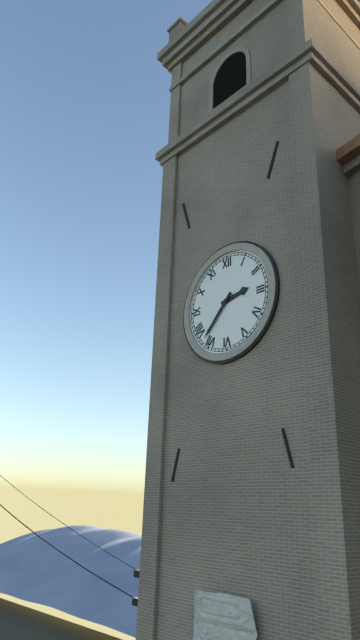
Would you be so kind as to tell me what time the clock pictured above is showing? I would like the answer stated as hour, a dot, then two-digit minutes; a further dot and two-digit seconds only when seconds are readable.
2.37
